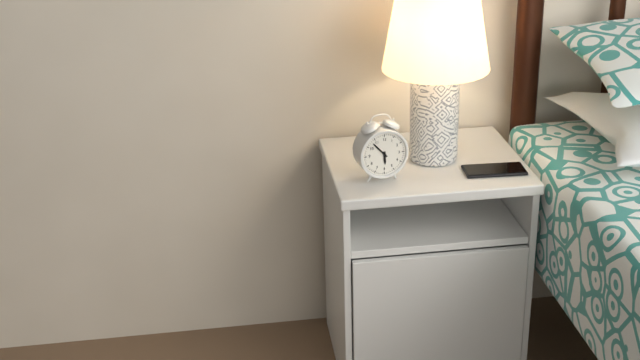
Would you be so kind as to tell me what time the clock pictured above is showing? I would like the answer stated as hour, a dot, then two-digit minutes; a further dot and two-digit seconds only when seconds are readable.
5.53
